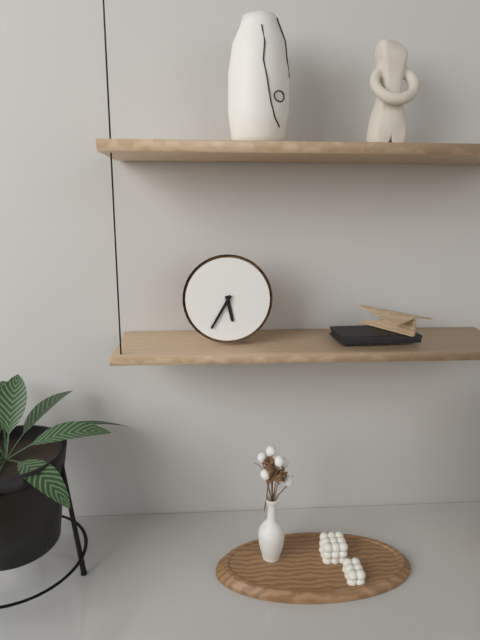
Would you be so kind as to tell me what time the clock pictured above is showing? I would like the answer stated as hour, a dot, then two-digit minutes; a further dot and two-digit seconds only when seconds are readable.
5.35
